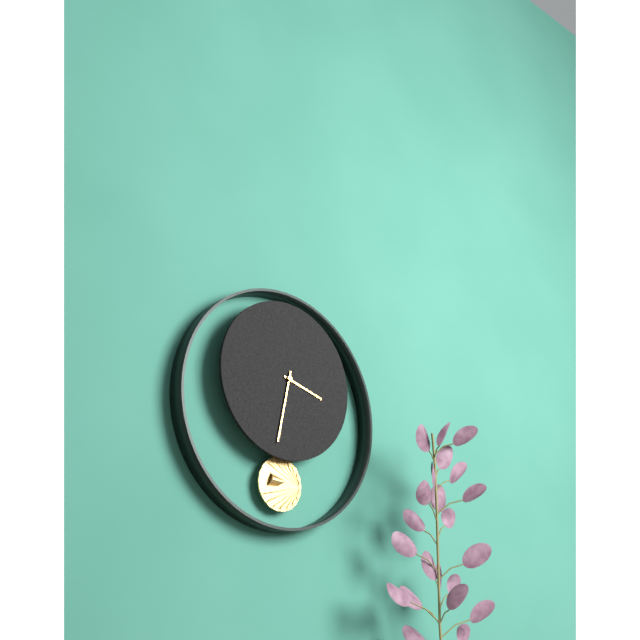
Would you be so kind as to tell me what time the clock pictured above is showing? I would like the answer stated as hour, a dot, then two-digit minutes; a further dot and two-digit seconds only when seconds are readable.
3.32
